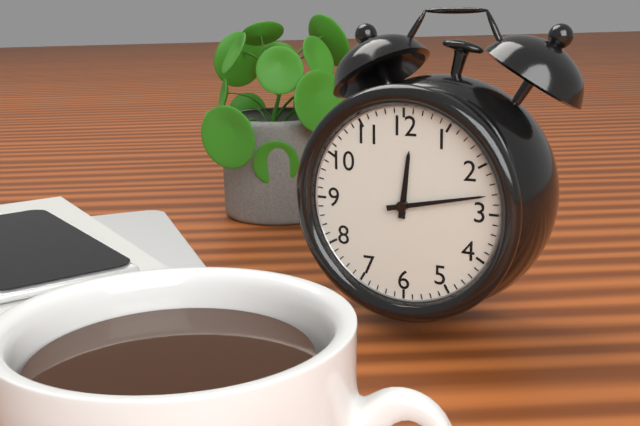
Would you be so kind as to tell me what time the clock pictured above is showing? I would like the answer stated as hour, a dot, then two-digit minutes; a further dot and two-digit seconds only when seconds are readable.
12.13
